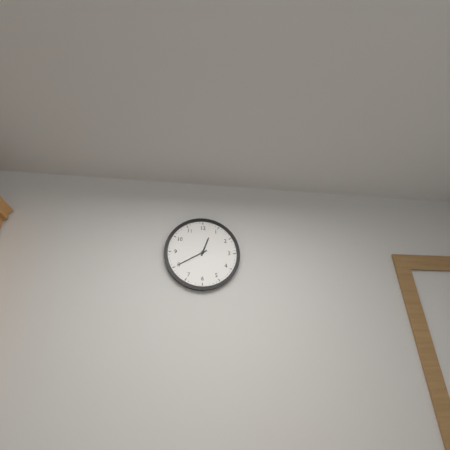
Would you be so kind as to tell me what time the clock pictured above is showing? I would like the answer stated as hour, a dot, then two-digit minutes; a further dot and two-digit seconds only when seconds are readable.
12.40
